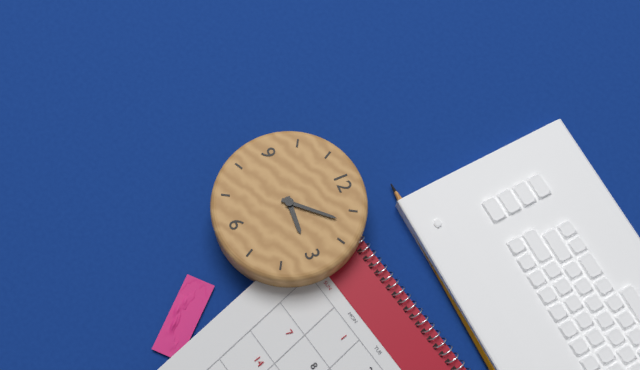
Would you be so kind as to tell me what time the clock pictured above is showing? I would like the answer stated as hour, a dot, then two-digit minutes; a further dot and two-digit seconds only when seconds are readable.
3.07
